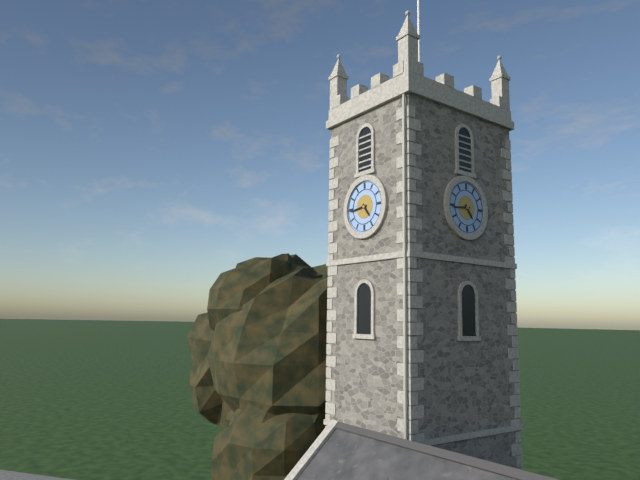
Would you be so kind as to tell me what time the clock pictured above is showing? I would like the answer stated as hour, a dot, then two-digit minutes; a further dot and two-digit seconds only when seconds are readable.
4.44
